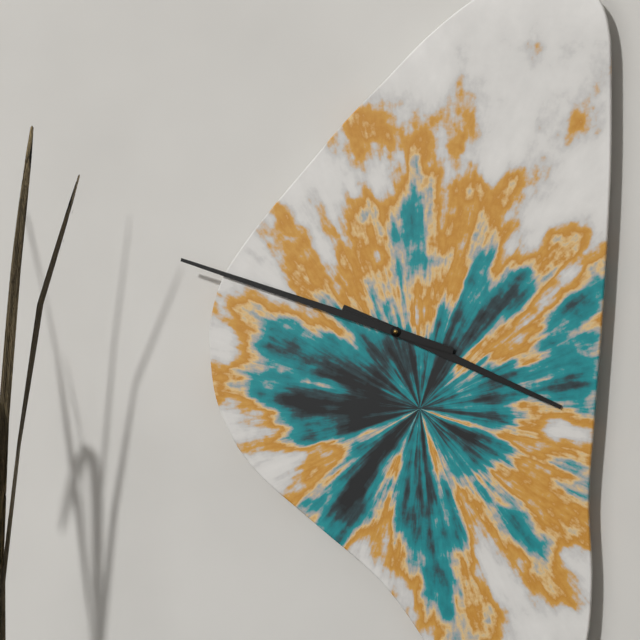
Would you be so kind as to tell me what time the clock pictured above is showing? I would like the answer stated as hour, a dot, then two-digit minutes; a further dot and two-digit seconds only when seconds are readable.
3.48
